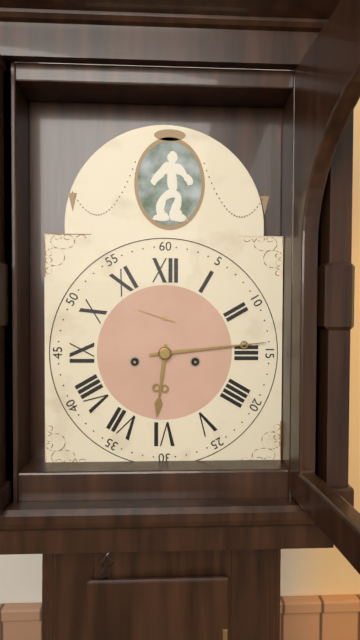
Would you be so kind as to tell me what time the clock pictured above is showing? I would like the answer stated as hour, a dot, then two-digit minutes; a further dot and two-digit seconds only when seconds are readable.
6.14
